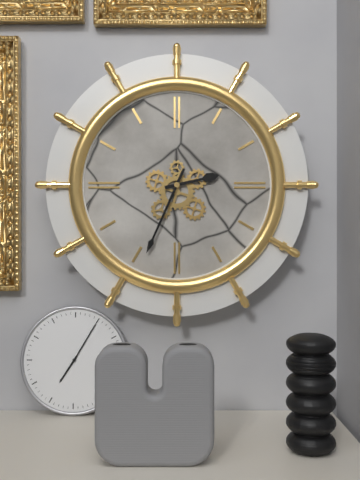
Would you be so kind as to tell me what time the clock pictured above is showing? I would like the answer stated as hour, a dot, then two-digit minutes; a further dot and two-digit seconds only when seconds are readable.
2.34
